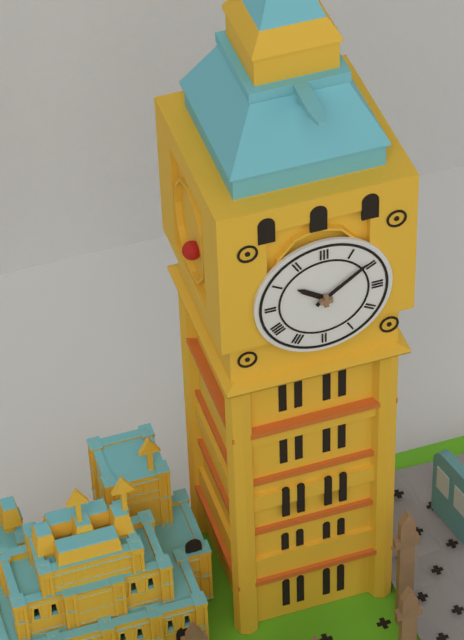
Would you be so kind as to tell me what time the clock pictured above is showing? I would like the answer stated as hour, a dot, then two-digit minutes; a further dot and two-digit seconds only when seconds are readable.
10.09
